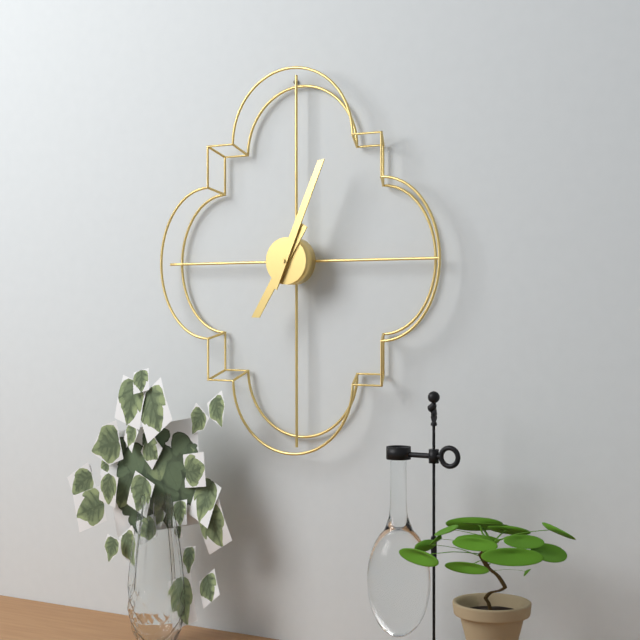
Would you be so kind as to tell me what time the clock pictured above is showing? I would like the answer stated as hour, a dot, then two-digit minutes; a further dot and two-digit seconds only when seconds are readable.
7.04
